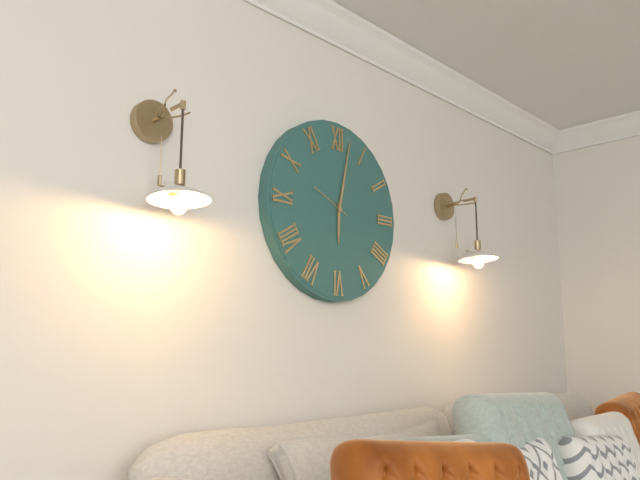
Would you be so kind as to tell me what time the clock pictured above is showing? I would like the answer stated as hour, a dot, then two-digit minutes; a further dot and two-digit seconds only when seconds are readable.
6.02
